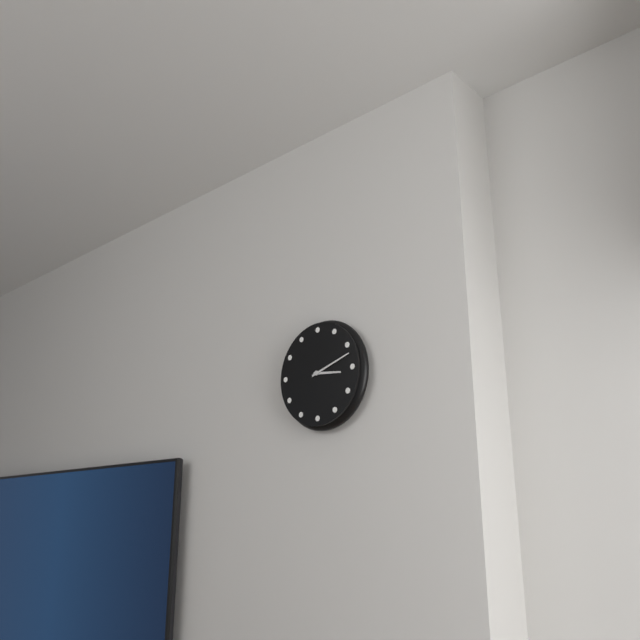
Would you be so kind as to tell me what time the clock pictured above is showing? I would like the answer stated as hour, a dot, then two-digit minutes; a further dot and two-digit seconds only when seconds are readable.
3.12
